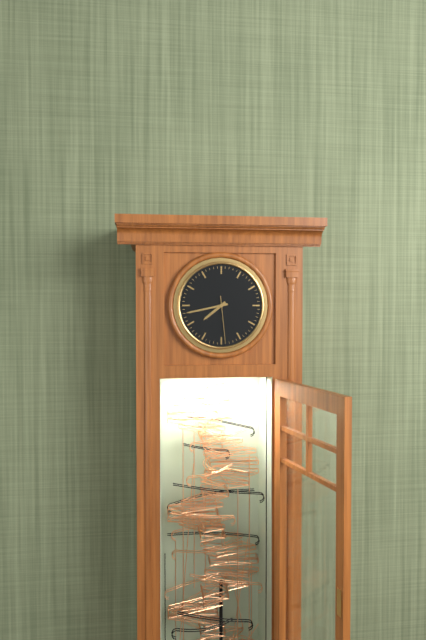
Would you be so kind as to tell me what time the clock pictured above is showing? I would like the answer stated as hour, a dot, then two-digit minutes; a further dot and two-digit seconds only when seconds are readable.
7.43
